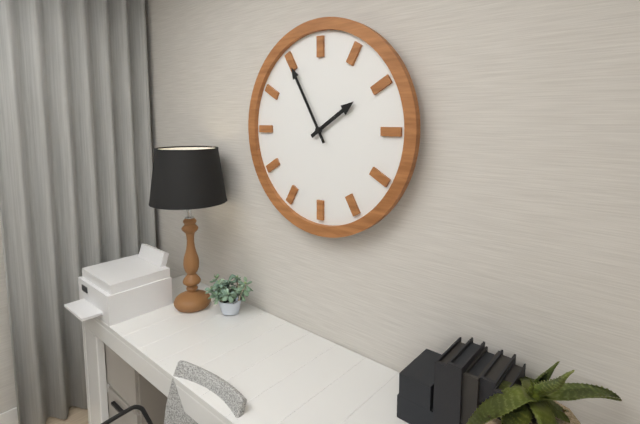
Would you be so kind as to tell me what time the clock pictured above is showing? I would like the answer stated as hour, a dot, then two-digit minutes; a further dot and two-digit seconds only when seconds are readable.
1.55
